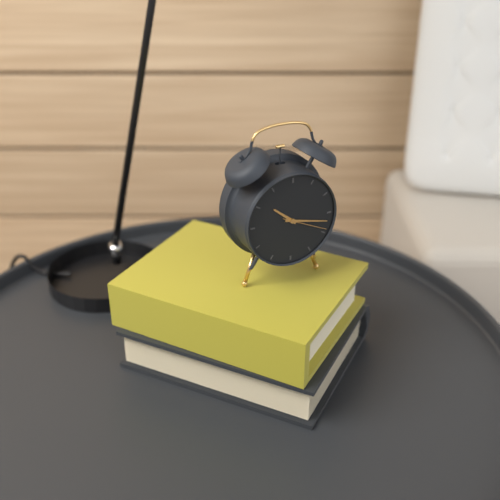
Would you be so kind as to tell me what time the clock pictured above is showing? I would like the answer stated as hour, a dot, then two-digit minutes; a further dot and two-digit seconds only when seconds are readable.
10.17.19
